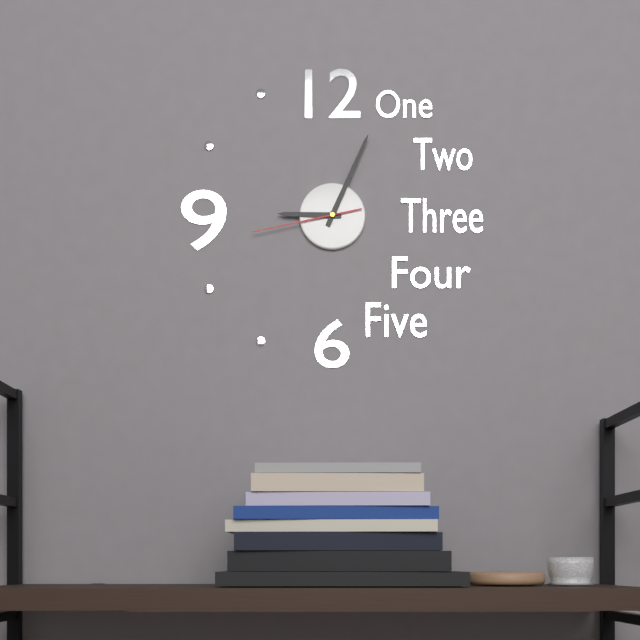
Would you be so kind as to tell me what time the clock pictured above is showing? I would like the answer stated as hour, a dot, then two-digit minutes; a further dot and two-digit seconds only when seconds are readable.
9.04.43
